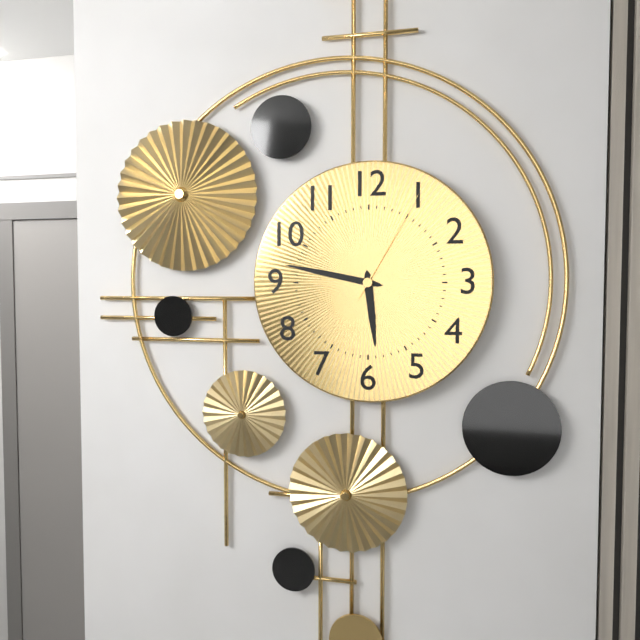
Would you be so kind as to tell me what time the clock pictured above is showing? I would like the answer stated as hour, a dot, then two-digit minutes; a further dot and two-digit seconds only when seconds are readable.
5.47.05
